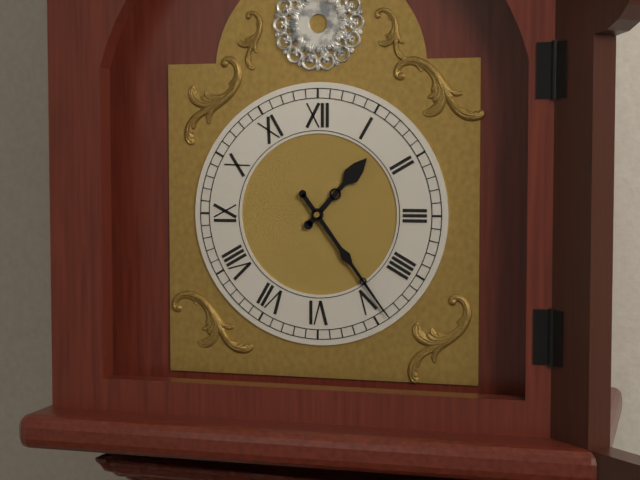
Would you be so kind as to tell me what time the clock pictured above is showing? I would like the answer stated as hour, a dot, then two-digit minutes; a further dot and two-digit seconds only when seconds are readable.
1.24
